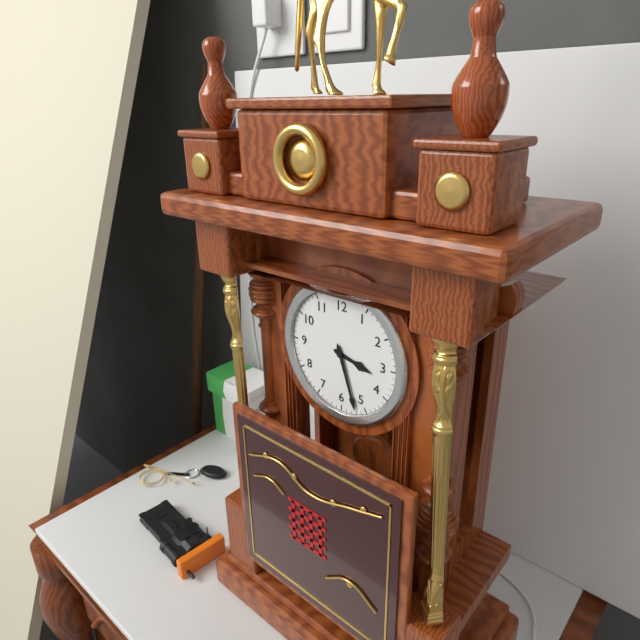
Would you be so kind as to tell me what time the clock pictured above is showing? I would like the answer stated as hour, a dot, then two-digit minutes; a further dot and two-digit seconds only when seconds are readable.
3.27
